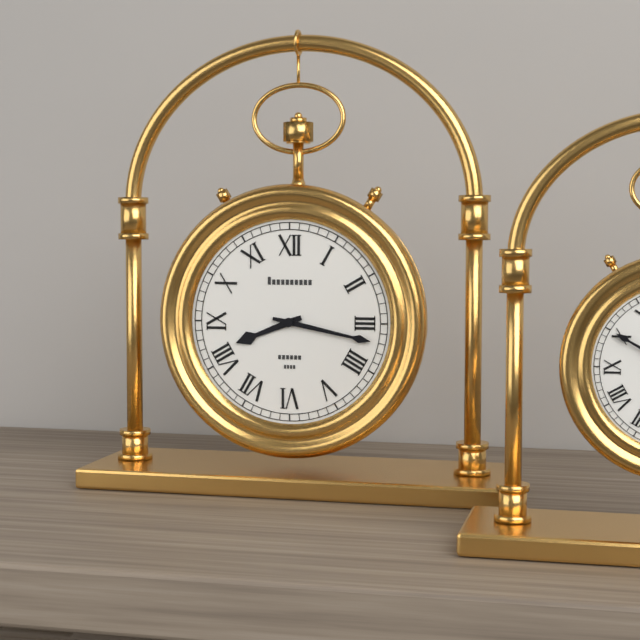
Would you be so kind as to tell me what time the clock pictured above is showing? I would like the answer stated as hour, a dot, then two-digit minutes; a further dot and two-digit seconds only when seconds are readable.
8.17
